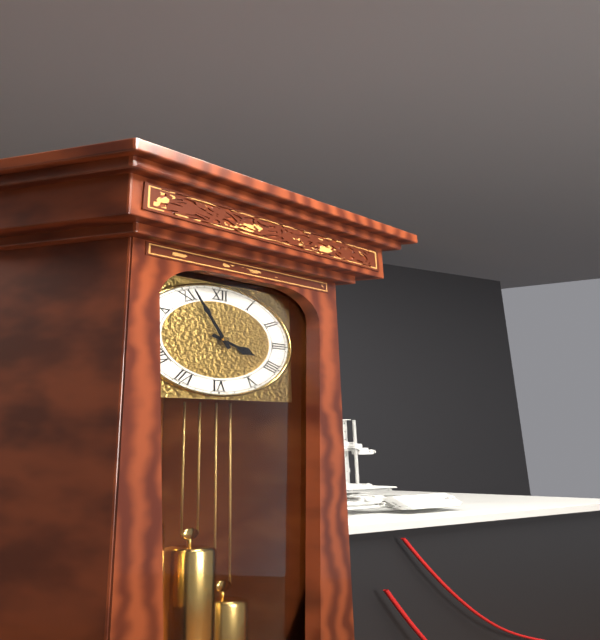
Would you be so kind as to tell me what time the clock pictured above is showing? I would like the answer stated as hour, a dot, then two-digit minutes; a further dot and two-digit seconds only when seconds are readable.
3.56
